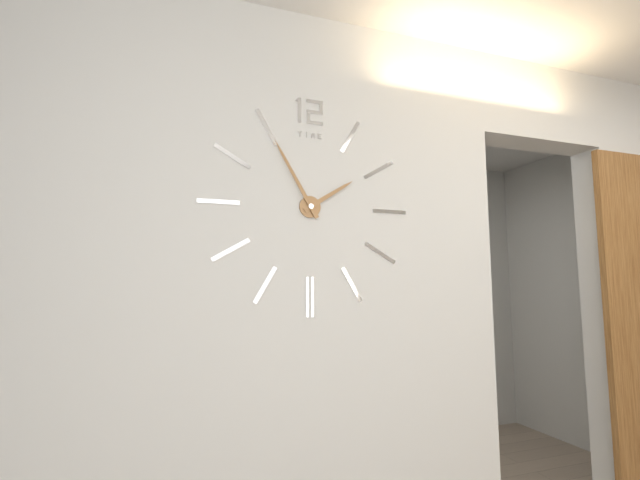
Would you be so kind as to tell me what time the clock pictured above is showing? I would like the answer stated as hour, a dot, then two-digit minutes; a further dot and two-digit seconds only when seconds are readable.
1.55
